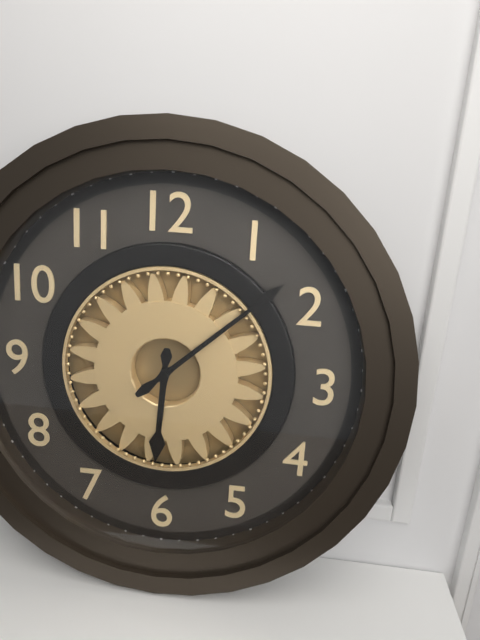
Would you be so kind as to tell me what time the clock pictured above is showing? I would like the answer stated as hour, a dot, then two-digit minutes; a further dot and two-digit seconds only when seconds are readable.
6.08
